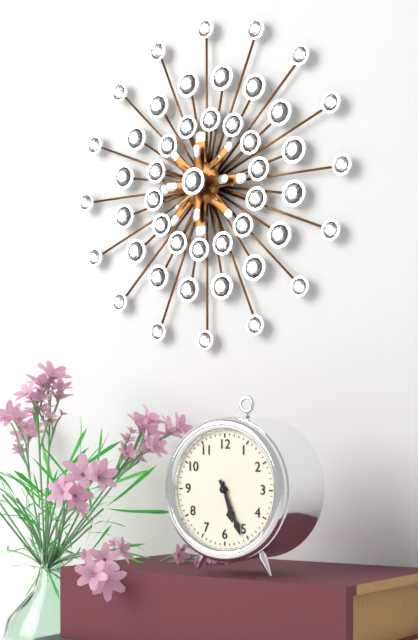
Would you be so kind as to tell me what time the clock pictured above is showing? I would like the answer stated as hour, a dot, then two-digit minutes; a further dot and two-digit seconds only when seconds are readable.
5.26
